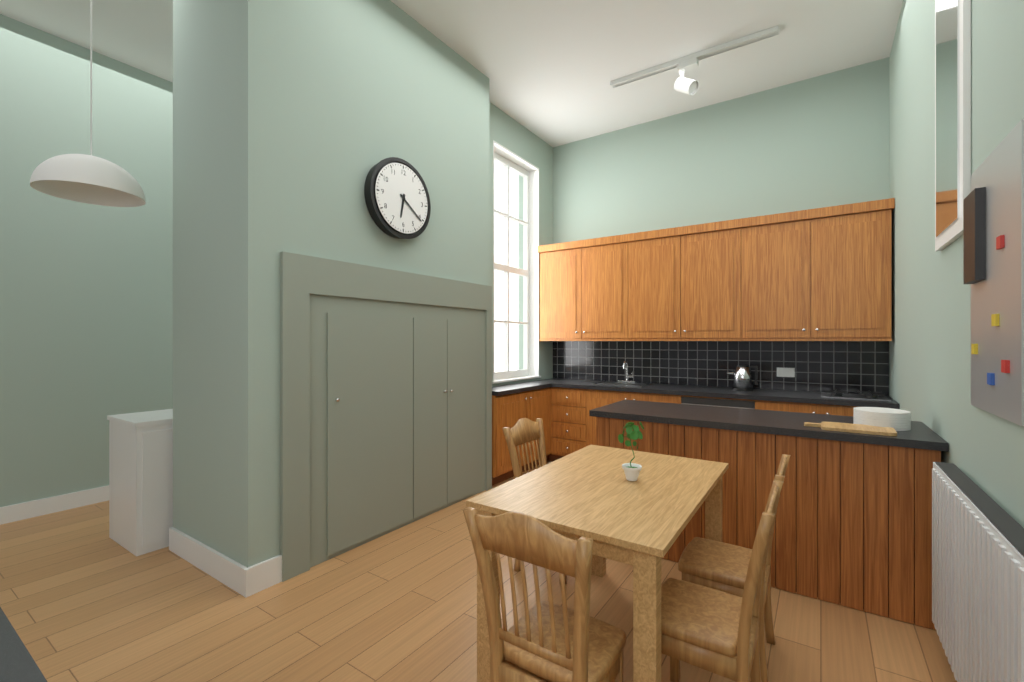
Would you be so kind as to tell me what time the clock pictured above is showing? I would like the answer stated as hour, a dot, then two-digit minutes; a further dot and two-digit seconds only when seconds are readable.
6.21
